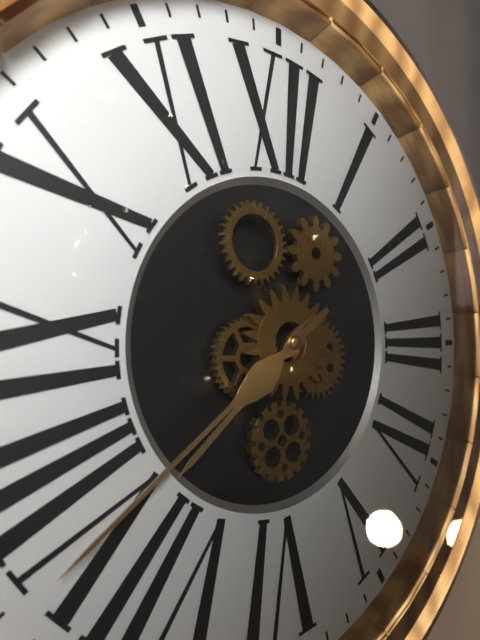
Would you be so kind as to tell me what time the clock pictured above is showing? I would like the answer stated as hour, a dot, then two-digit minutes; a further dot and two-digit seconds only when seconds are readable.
7.39
